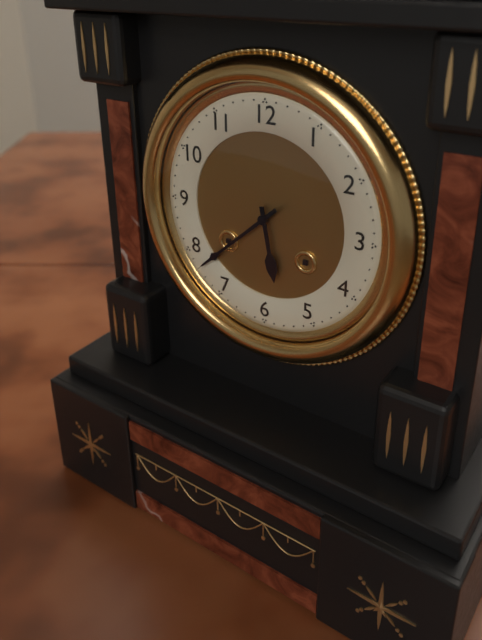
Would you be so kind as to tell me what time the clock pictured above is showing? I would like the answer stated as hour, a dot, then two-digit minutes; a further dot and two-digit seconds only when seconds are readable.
5.38
